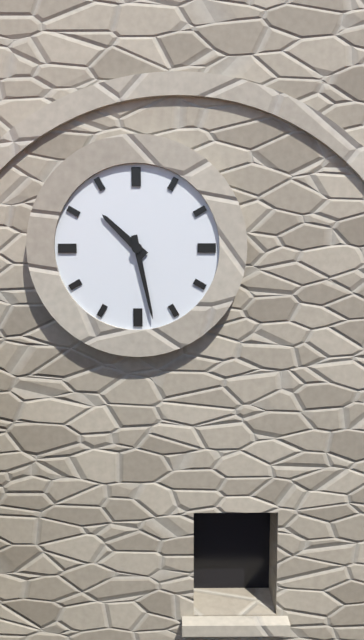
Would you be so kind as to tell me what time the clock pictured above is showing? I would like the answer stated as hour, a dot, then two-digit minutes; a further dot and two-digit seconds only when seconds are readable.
10.28
